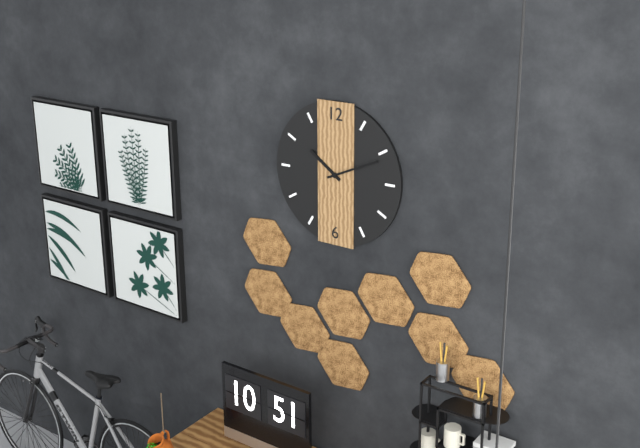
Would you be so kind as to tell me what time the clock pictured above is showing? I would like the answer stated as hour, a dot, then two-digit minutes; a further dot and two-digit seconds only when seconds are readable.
10.11
